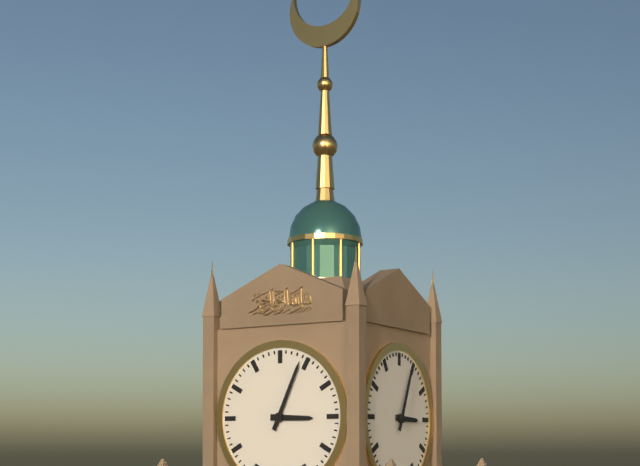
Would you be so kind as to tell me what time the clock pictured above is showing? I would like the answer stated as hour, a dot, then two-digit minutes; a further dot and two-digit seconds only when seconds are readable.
3.04
